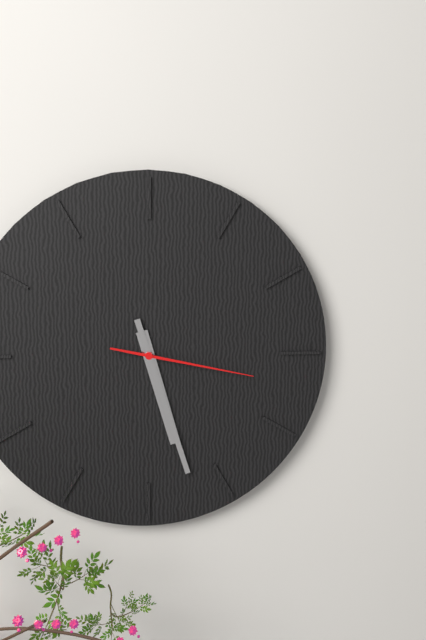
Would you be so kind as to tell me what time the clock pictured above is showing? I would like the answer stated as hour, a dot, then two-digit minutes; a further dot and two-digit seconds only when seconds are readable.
5.27.17
